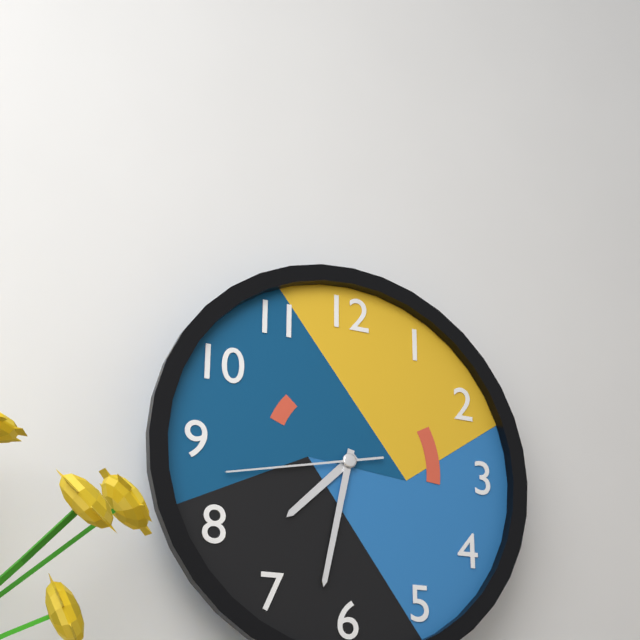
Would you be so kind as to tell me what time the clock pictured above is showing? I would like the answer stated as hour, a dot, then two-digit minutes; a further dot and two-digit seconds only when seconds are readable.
7.32.43
